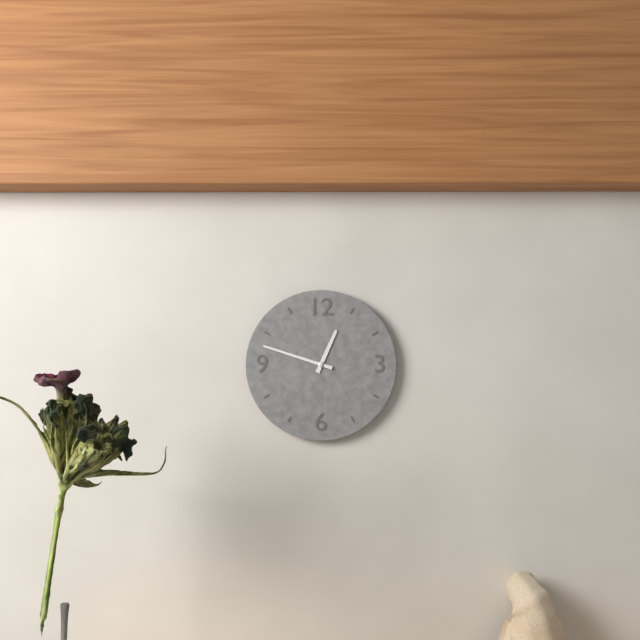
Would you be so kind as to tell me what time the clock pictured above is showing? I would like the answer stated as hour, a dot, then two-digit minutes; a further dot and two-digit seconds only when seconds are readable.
12.48
